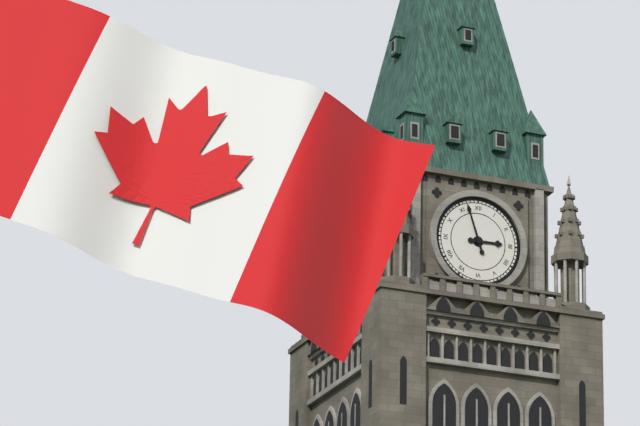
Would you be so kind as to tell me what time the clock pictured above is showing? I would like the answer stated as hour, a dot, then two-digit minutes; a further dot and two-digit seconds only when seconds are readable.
2.57
